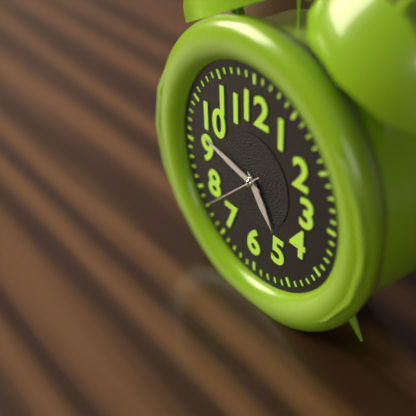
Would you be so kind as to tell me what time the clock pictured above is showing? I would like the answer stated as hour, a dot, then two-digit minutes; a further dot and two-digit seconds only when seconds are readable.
4.47.38
